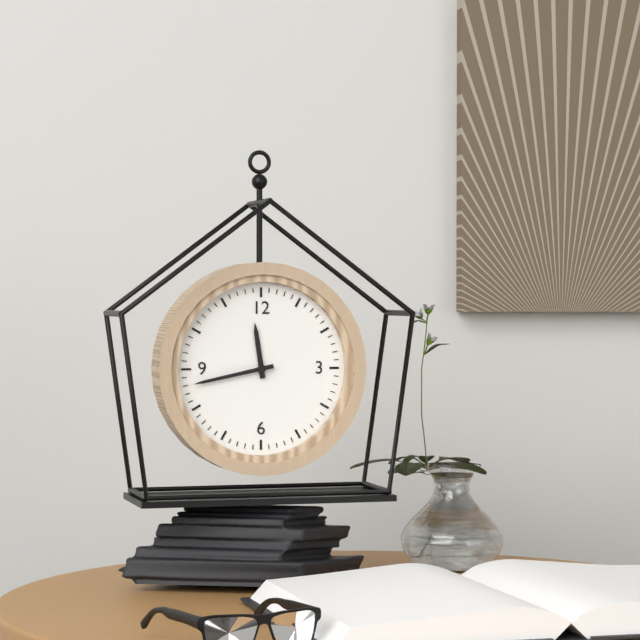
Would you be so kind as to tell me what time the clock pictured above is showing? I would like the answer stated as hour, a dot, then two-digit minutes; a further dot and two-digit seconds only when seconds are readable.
11.43
